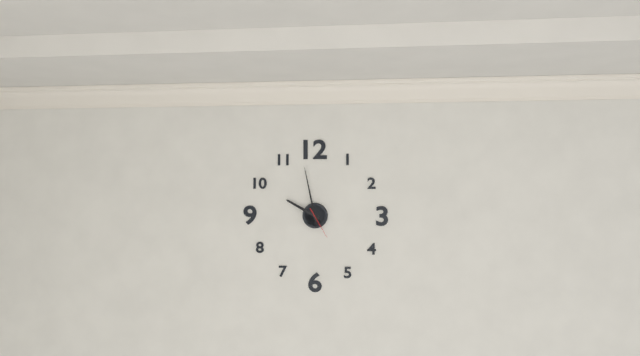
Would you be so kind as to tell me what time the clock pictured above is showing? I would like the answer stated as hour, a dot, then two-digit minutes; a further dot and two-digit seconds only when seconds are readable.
9.58
